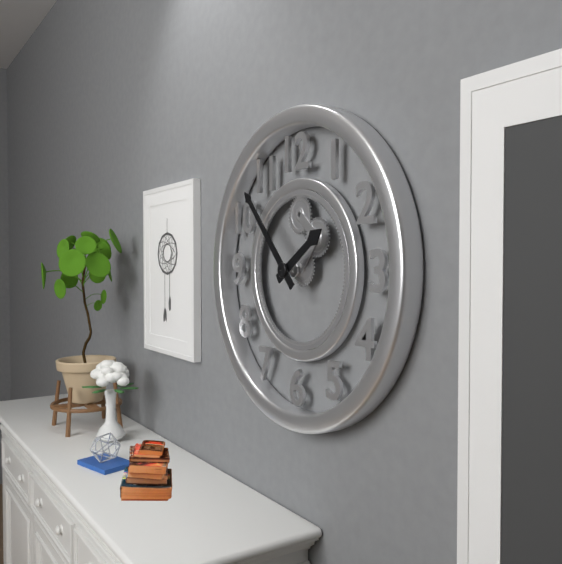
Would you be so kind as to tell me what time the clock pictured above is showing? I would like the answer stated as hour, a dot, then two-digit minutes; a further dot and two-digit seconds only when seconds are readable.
1.53
